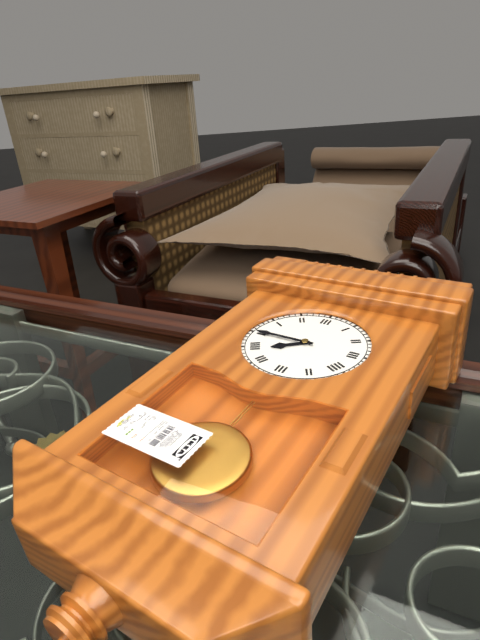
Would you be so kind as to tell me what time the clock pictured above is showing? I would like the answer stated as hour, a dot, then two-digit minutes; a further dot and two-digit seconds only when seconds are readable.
7.45
